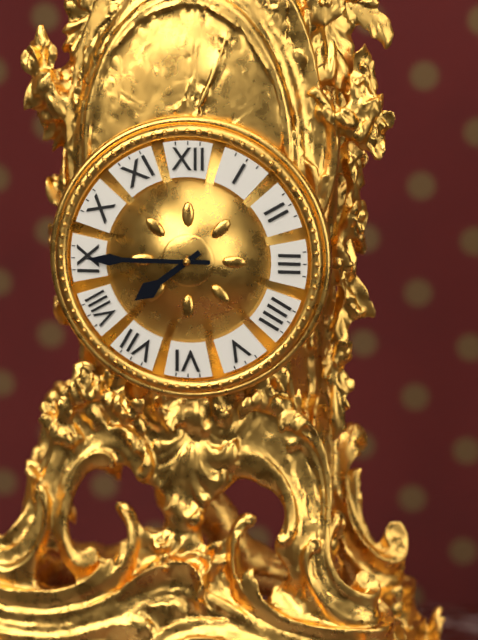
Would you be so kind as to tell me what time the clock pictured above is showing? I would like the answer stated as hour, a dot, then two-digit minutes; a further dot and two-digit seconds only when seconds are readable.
7.45
